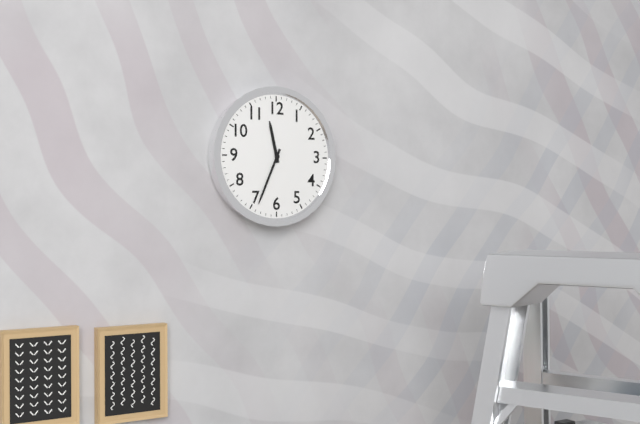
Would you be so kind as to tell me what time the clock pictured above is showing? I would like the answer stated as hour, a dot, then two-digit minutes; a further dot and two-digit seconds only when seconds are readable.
11.34
